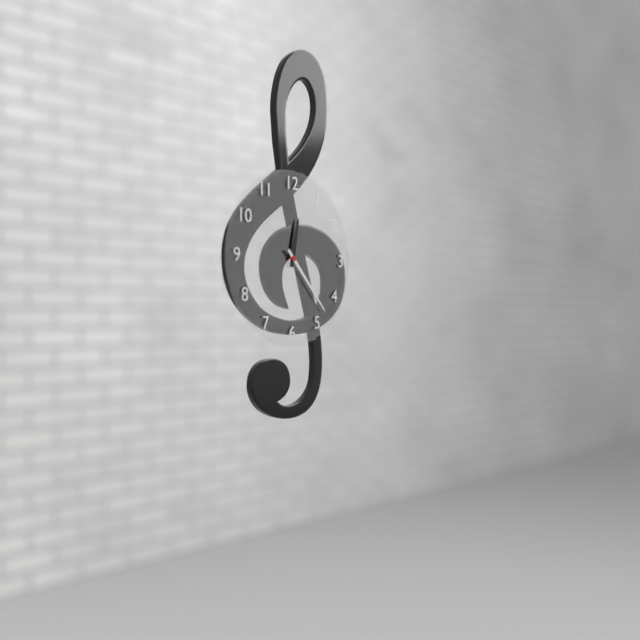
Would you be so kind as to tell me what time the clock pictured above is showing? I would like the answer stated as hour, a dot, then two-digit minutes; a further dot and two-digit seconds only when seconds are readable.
12.23
